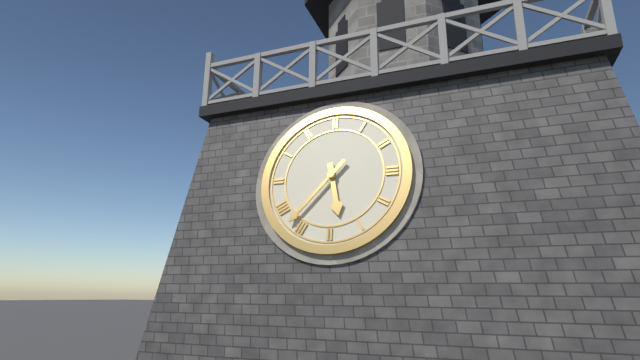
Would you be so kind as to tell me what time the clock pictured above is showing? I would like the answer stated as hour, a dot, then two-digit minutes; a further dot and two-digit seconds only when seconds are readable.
5.37
